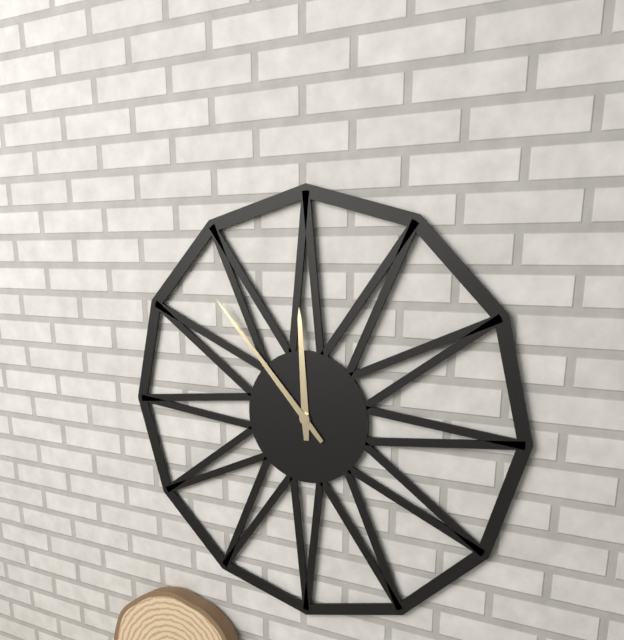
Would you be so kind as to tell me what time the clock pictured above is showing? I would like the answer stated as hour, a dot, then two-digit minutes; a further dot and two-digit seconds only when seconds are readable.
11.53
